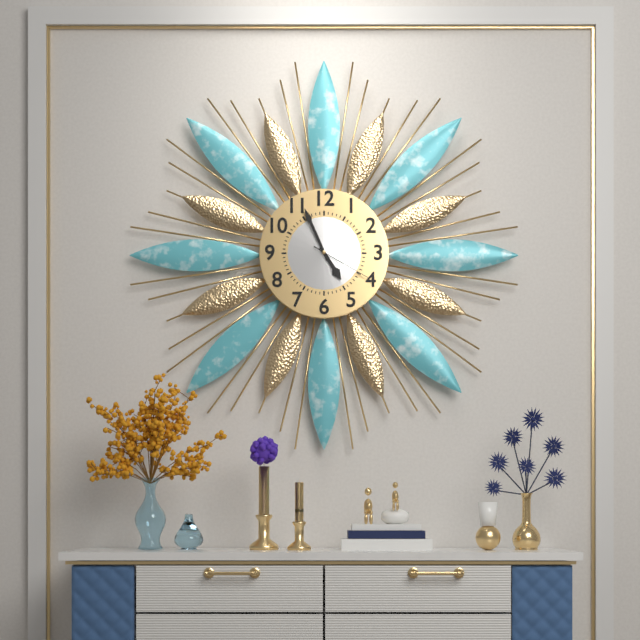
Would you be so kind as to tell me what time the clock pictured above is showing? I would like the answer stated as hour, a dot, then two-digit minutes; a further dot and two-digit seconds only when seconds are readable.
4.56.20
